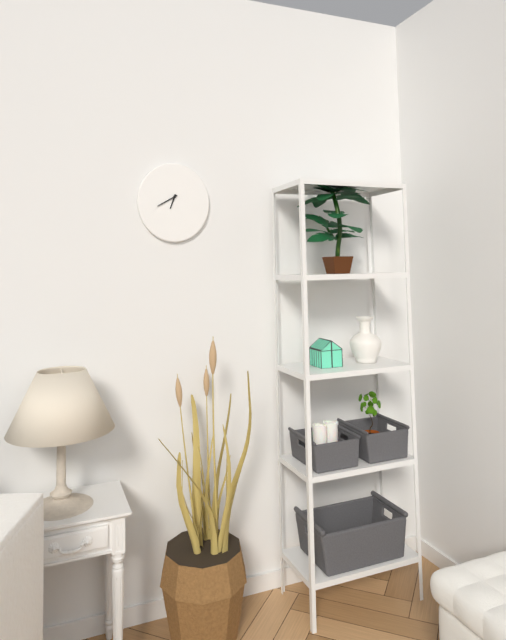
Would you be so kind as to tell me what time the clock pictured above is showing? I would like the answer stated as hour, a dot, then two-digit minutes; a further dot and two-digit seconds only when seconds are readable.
6.40
